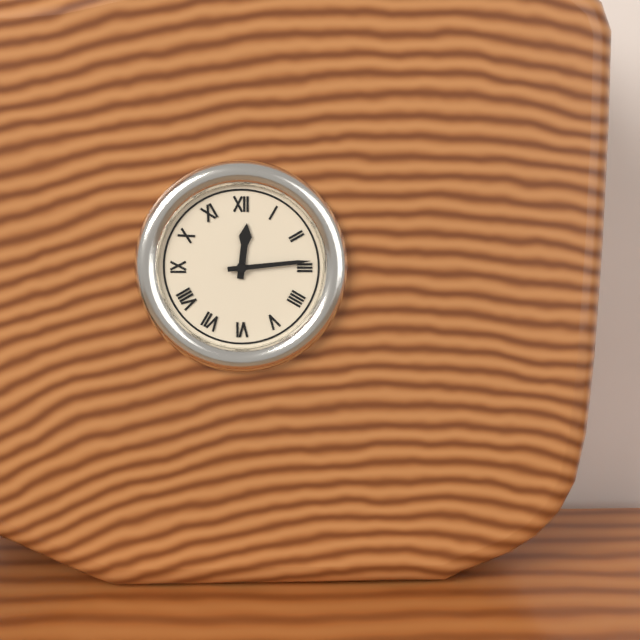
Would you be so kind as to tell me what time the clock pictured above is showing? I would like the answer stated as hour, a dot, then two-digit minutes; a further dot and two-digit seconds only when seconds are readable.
12.14
